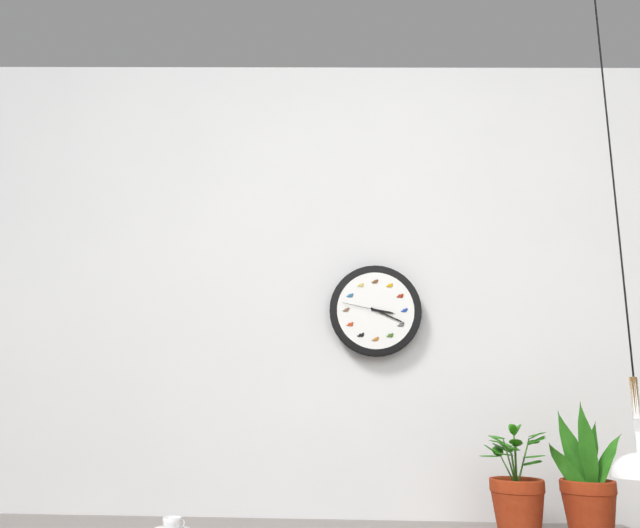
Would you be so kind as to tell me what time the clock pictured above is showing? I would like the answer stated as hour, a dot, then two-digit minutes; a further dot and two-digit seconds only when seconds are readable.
3.19
